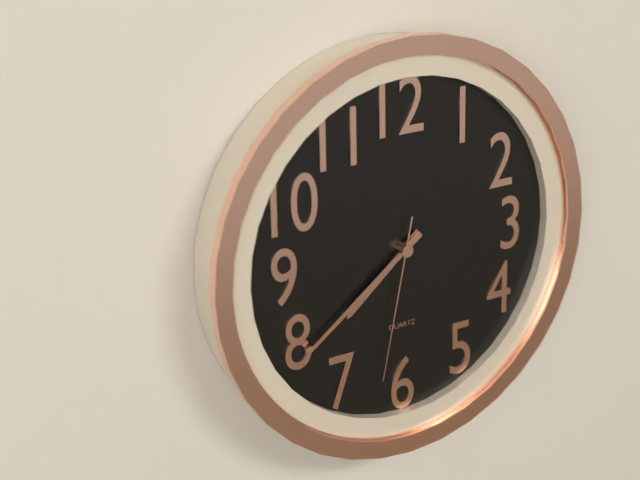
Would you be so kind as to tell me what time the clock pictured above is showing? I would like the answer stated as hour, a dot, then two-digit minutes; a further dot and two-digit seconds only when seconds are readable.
7.39.32
